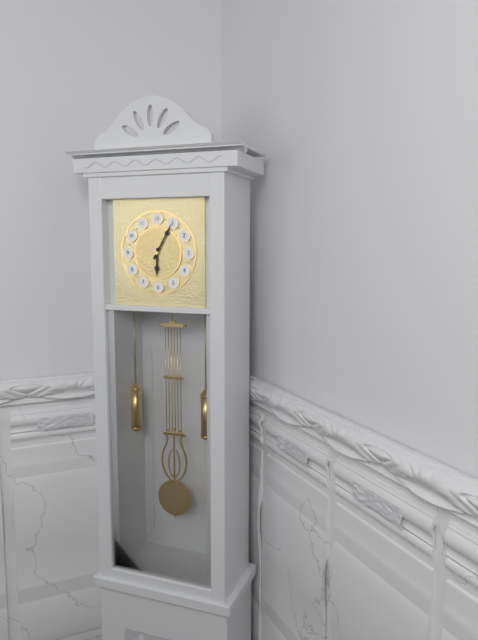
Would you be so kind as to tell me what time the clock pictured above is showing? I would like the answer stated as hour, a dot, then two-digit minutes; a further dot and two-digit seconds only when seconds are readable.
6.05
